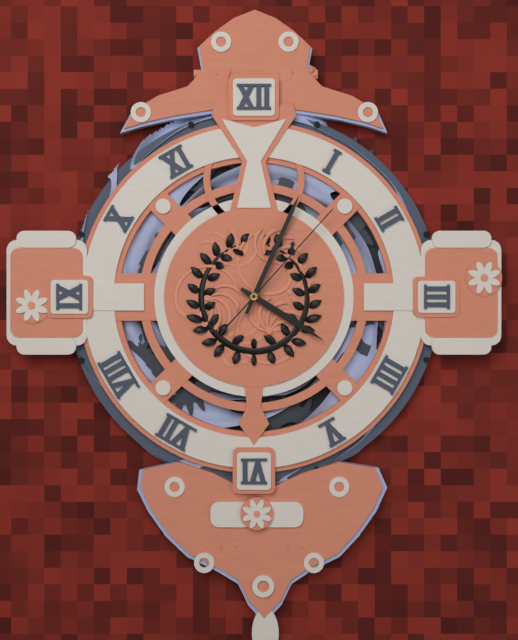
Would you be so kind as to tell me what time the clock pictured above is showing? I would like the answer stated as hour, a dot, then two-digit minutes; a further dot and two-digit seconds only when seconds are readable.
4.04.07
